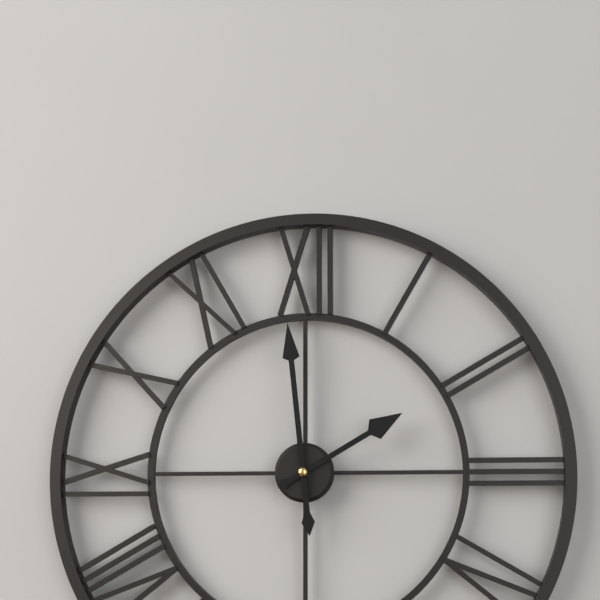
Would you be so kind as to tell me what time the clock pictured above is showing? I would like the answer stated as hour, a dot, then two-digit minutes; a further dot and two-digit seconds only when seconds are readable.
1.59
